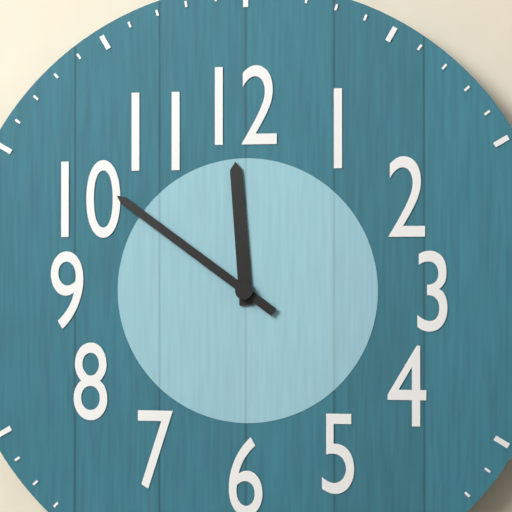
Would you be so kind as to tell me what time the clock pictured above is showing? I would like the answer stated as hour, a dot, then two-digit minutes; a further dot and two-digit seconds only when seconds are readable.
11.51
